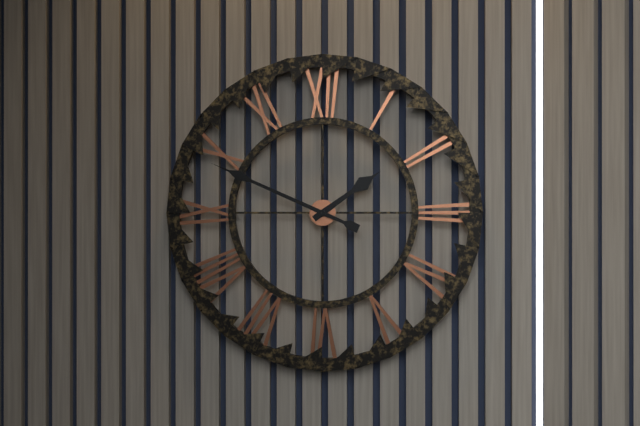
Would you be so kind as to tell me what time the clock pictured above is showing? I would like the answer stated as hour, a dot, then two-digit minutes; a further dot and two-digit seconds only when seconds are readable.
1.49
